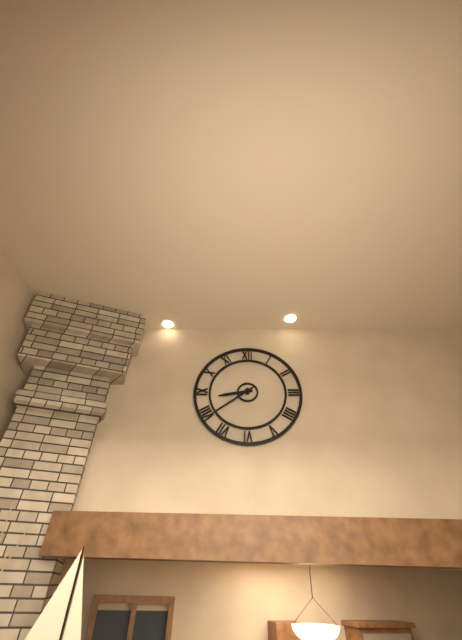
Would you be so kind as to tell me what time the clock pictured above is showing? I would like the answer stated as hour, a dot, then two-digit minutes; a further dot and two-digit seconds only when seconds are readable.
8.39
